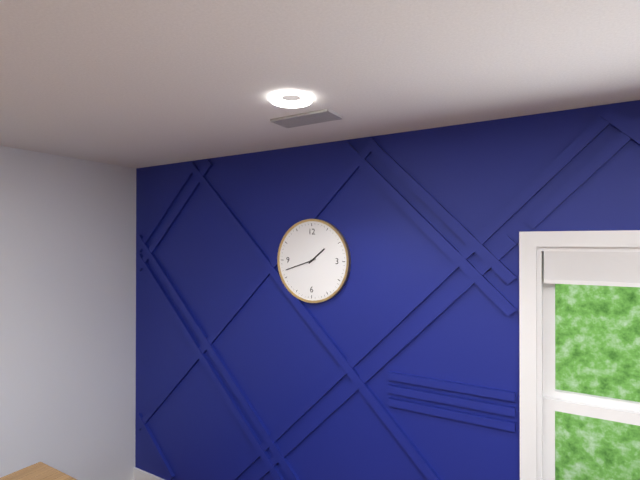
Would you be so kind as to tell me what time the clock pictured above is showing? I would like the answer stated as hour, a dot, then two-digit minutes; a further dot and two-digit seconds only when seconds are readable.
1.42
